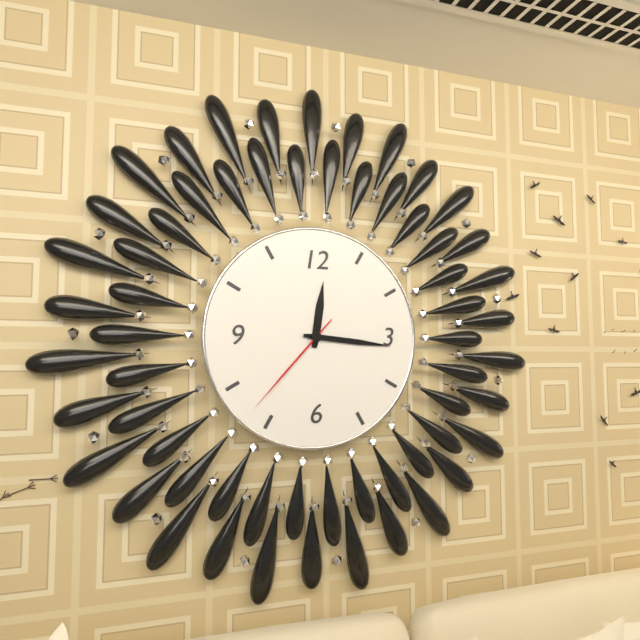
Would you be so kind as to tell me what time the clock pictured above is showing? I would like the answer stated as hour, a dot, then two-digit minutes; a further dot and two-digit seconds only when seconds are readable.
12.16.37
